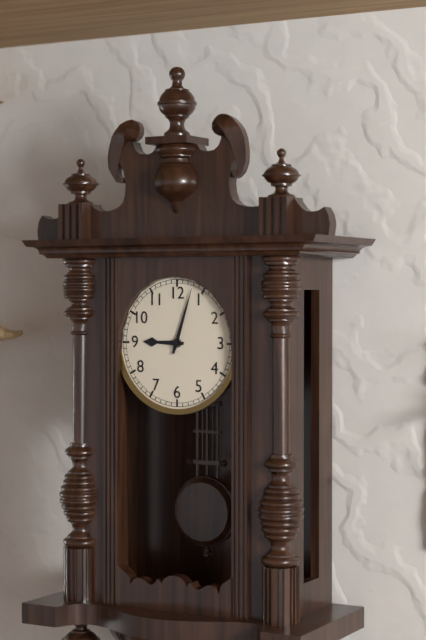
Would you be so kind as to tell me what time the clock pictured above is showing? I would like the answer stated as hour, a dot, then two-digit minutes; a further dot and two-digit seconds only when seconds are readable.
9.03
